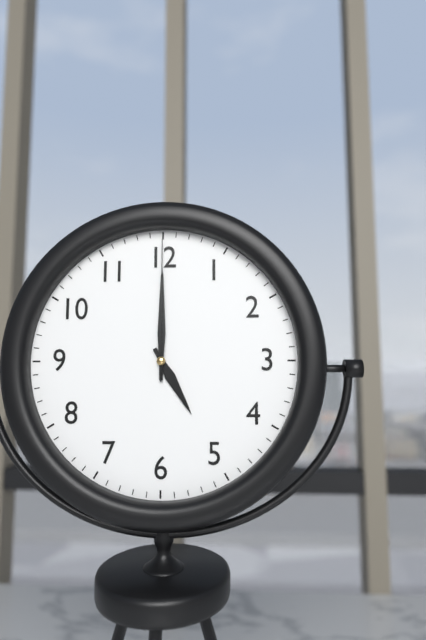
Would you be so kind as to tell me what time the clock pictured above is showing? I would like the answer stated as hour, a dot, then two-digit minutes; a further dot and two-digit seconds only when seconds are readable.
5.00.00
